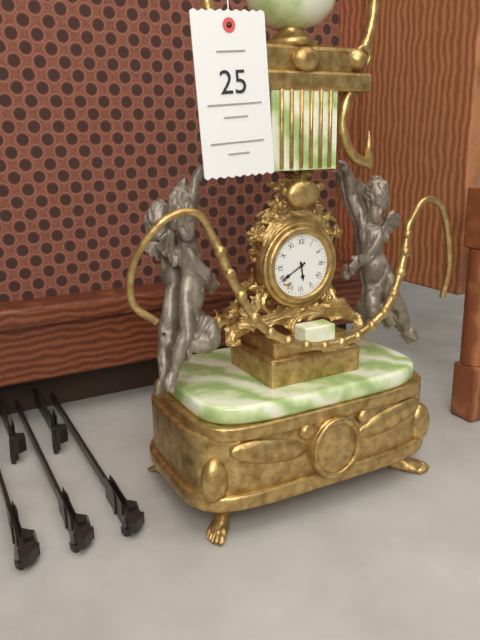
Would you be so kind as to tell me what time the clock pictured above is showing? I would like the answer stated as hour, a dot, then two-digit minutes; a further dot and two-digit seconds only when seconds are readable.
5.40
